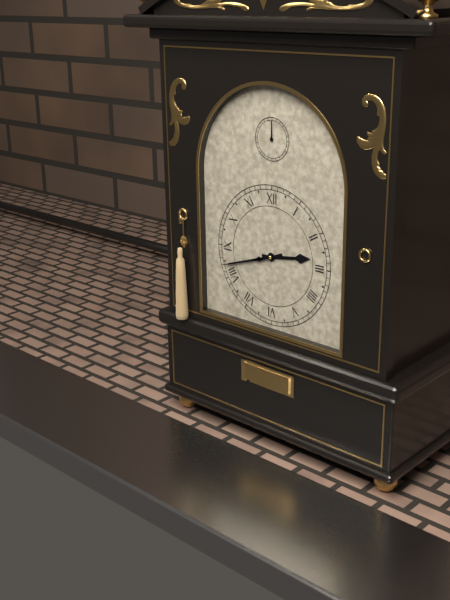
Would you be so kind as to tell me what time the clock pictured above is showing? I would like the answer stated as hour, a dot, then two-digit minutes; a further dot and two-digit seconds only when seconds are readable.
2.42
